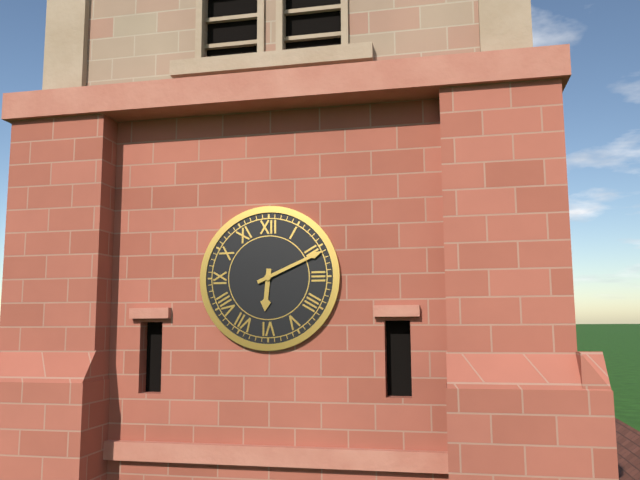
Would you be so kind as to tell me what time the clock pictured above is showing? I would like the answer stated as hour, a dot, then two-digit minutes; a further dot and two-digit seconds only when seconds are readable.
6.11
